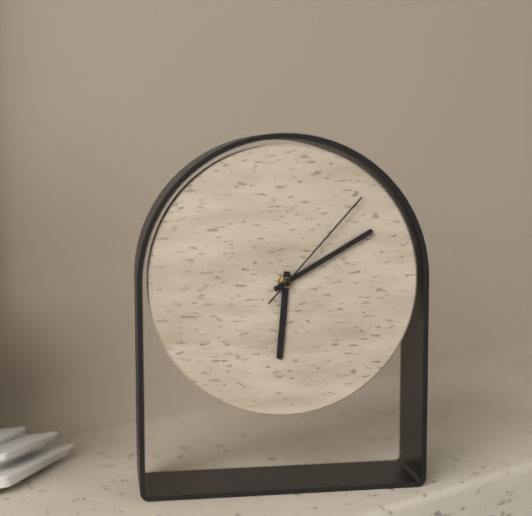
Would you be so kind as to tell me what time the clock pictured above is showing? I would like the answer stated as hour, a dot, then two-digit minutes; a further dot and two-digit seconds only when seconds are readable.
6.10.07
